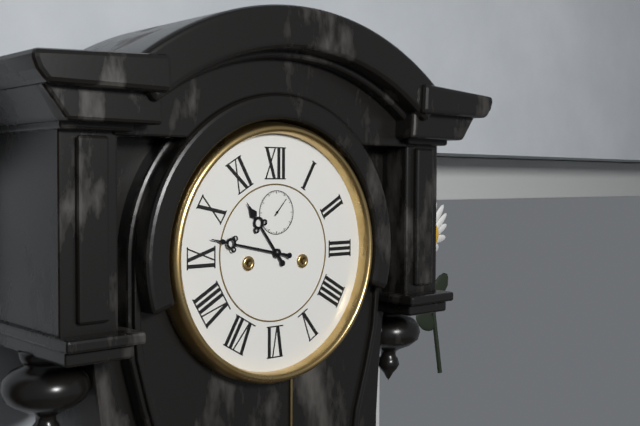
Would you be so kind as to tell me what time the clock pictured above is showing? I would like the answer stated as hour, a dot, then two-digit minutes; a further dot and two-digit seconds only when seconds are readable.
10.47
